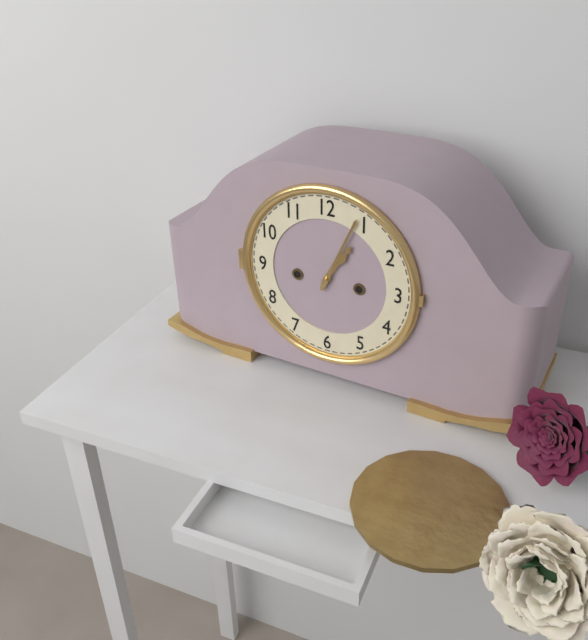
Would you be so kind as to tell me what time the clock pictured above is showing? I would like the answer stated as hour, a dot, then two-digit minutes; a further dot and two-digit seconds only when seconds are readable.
1.04
